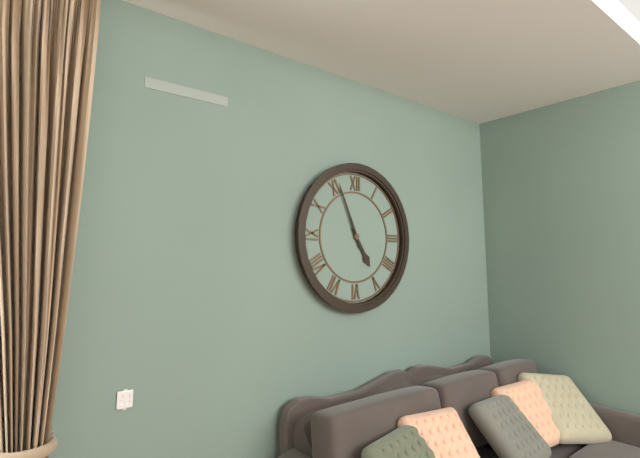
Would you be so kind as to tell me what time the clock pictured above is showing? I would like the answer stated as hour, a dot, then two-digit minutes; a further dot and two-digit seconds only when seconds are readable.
4.56
